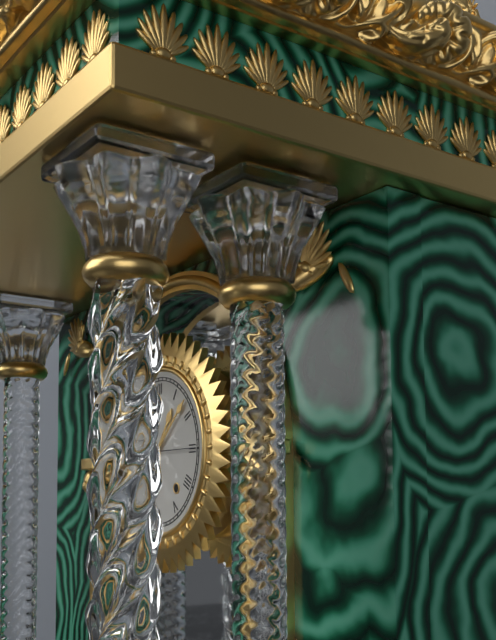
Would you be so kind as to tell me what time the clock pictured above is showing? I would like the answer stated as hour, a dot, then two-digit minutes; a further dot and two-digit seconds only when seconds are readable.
1.08.15
